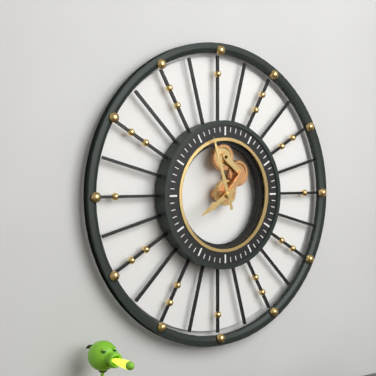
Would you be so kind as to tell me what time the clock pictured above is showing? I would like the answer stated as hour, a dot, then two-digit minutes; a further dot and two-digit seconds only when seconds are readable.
7.57
